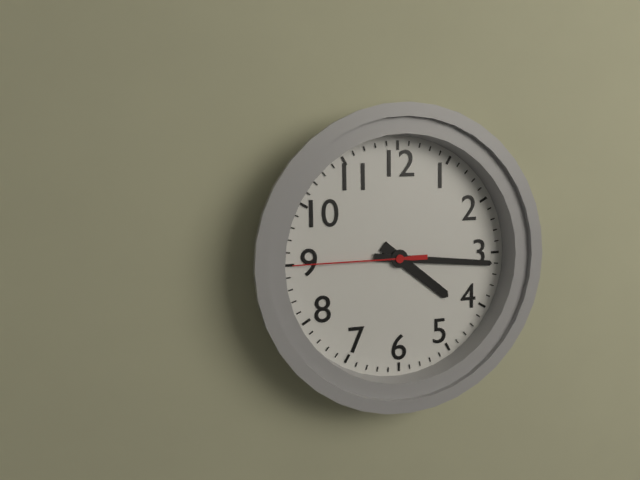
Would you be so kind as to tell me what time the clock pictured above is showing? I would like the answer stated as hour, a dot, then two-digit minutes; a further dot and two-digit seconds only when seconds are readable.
4.16.45
